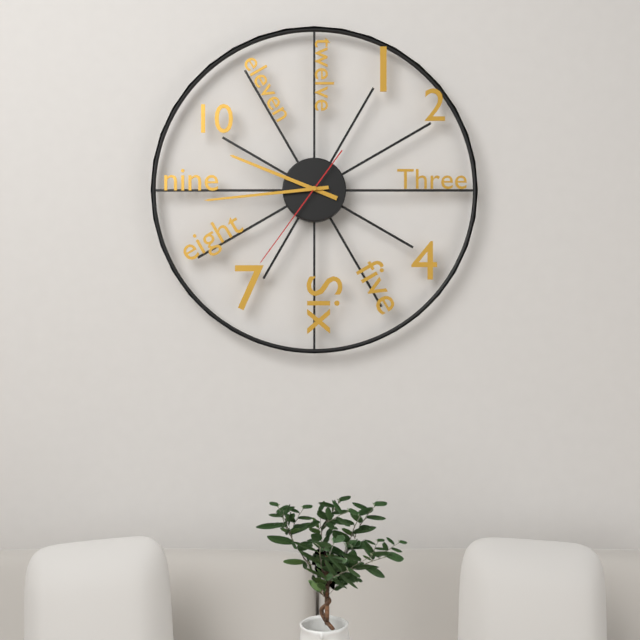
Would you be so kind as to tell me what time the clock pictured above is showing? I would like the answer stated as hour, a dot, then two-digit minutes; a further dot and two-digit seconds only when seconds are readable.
9.44.36
